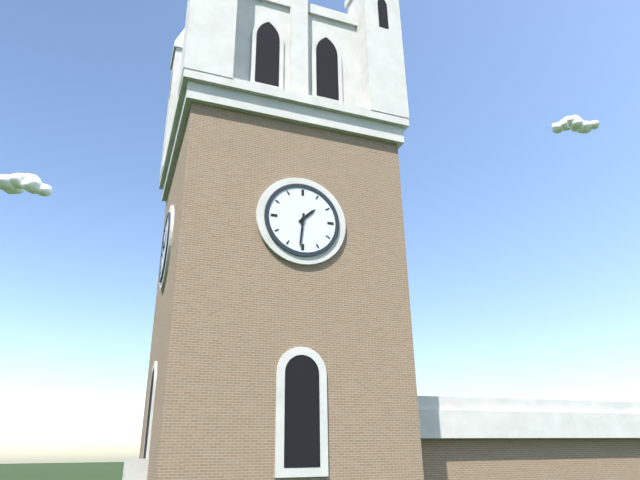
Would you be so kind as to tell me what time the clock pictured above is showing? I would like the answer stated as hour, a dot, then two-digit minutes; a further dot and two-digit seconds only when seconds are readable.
1.31
